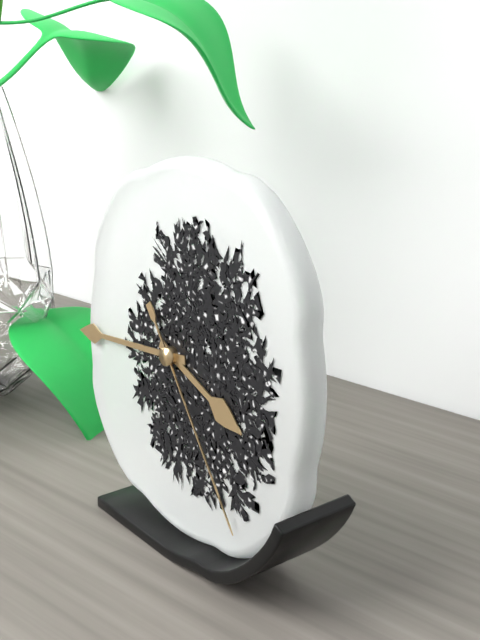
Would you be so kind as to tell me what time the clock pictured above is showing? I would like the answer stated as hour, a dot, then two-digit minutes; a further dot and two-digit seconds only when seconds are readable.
3.44.24
